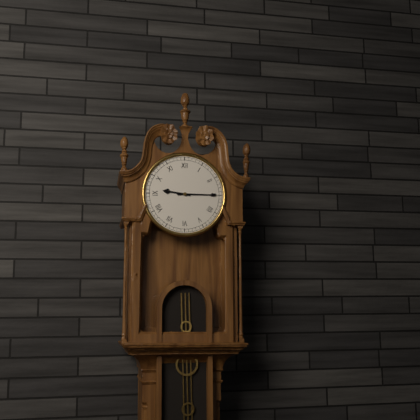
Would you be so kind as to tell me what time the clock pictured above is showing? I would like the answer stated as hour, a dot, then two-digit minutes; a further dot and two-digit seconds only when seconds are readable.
9.15
